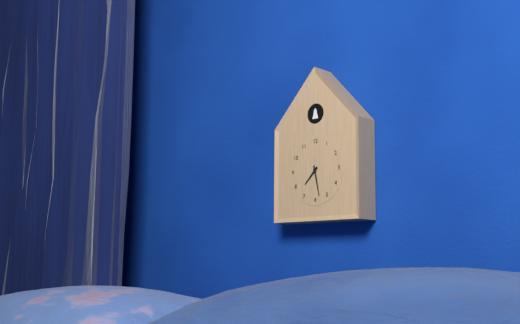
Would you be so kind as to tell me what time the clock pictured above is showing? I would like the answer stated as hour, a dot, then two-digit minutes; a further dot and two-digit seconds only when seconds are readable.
7.28
